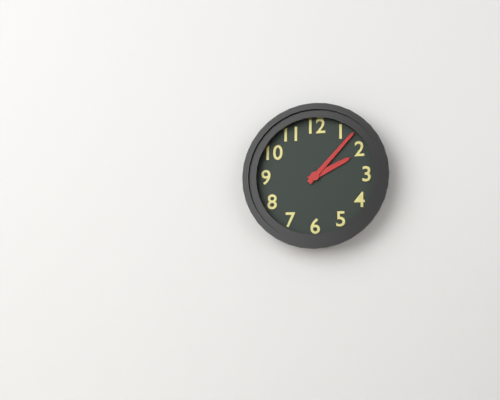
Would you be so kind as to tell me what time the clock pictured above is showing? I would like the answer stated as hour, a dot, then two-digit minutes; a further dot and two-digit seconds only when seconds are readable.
2.07
